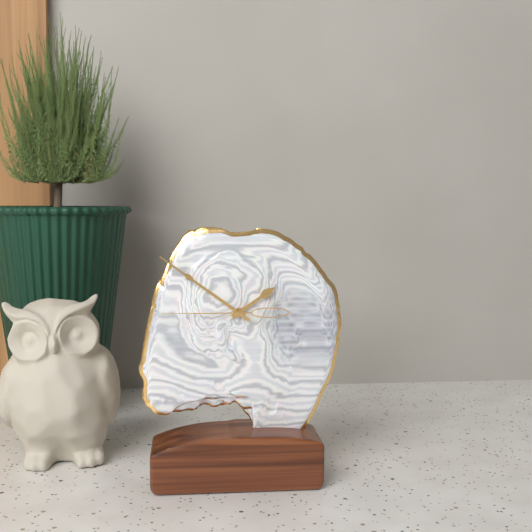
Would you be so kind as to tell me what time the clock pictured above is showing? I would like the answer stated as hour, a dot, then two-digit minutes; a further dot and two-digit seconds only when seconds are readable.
1.51.45
